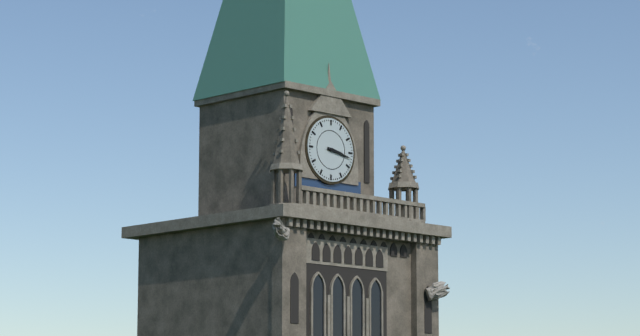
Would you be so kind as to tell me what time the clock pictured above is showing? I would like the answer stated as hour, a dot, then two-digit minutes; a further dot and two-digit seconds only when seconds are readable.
3.17
